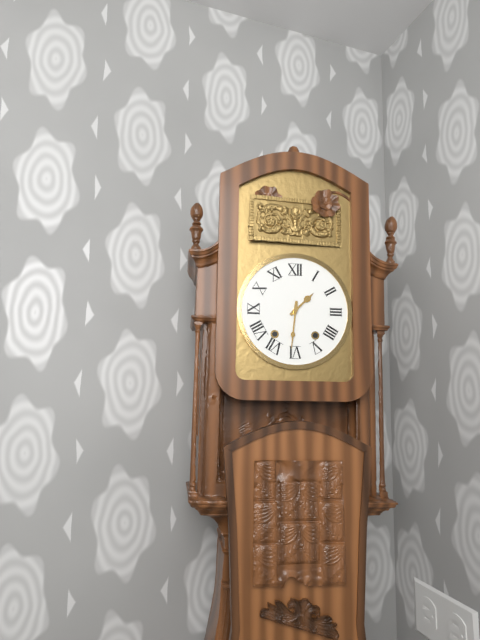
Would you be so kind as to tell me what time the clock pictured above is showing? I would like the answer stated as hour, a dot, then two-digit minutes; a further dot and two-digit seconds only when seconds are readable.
1.31
